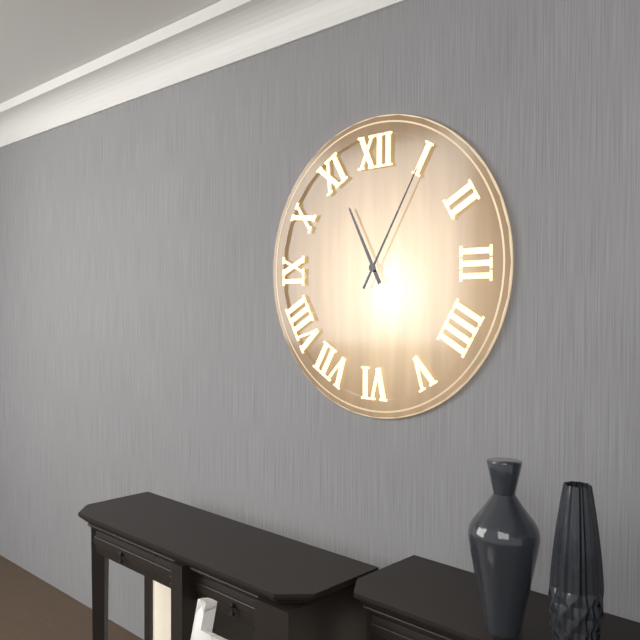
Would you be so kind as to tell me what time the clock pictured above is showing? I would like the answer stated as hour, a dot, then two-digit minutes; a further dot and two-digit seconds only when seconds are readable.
11.05
